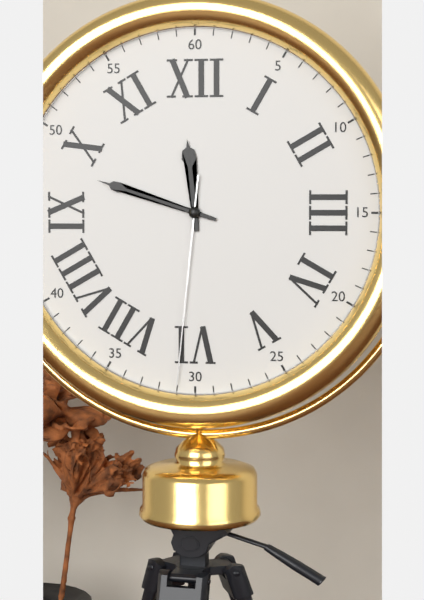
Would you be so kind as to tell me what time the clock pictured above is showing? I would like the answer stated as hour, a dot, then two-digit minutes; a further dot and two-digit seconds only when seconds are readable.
11.48.31
